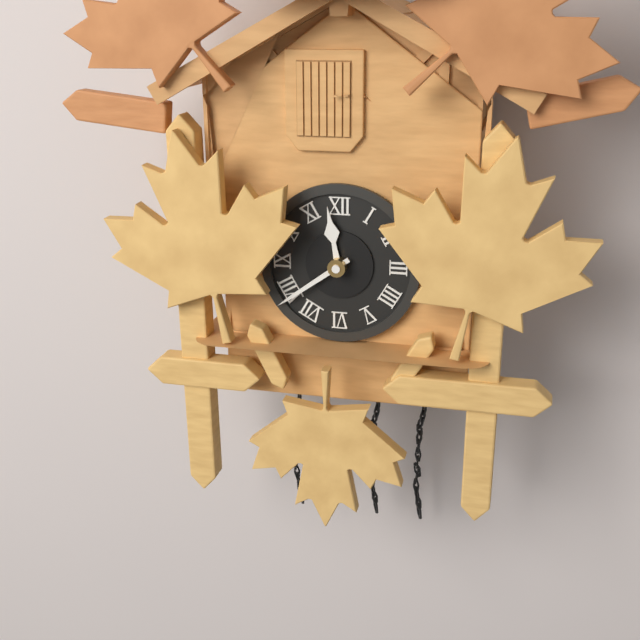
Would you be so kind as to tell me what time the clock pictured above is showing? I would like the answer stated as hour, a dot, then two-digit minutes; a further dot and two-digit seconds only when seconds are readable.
11.39
